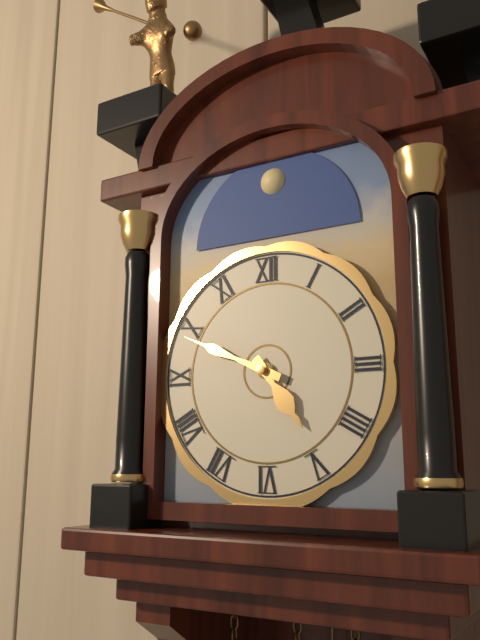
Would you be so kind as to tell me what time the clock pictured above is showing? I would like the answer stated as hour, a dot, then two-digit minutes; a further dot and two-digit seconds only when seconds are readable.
4.49
